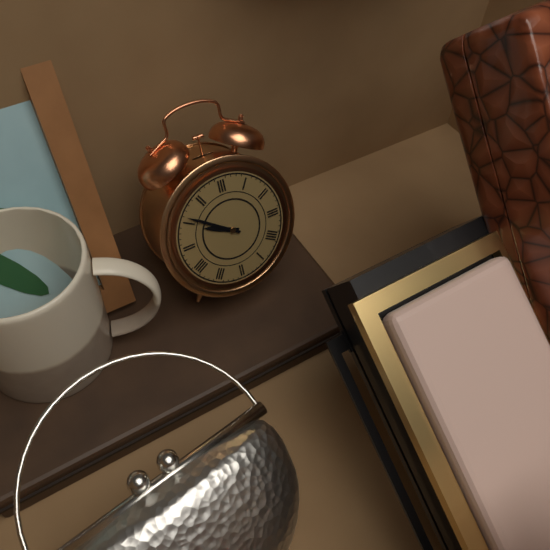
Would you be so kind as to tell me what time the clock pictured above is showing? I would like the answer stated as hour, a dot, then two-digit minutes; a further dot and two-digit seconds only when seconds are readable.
9.51
